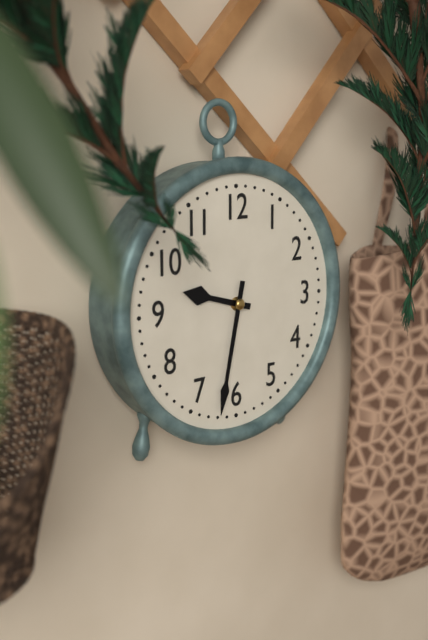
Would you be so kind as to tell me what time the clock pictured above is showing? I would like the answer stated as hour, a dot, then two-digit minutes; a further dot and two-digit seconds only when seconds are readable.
9.32
